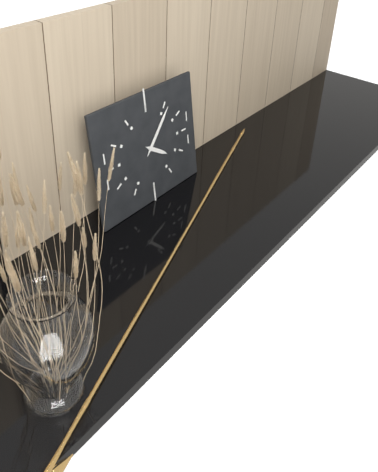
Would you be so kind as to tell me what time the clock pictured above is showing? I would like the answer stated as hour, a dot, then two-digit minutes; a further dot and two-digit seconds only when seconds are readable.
4.07
